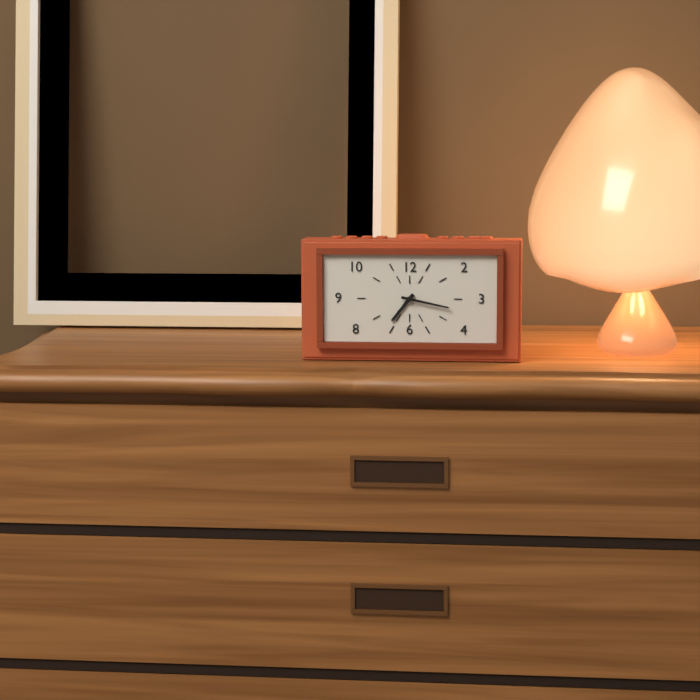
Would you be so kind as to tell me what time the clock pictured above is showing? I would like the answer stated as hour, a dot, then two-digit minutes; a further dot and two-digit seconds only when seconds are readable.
7.17
